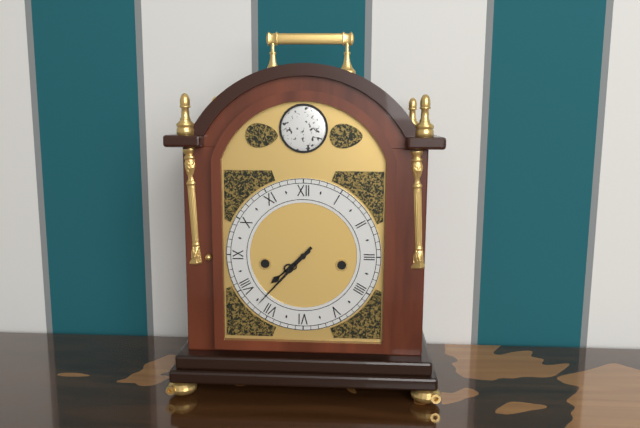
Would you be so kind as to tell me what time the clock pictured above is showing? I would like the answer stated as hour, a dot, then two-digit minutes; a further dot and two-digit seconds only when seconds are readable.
7.37
